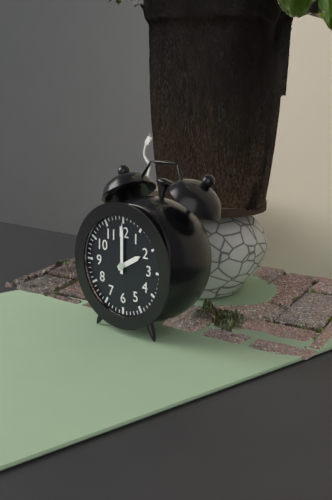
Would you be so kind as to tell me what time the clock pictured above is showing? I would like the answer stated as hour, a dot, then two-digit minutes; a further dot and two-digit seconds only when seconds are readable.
2.00
